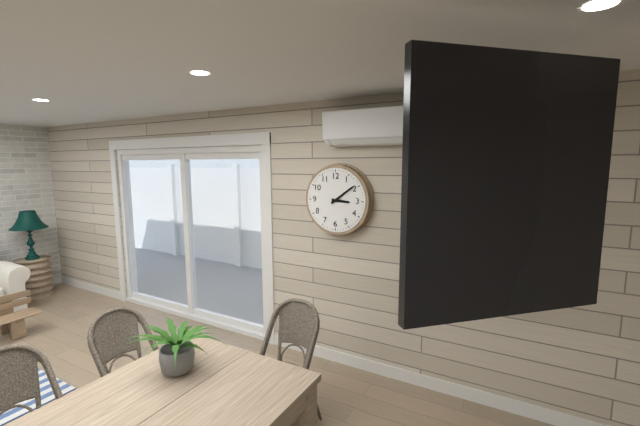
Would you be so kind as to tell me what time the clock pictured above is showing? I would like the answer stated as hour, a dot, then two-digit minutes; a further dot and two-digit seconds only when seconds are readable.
3.09
